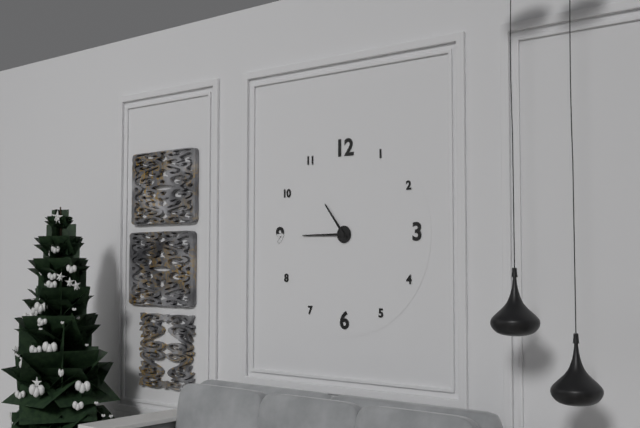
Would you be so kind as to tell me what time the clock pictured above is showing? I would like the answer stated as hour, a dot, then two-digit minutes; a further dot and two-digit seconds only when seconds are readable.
10.45
